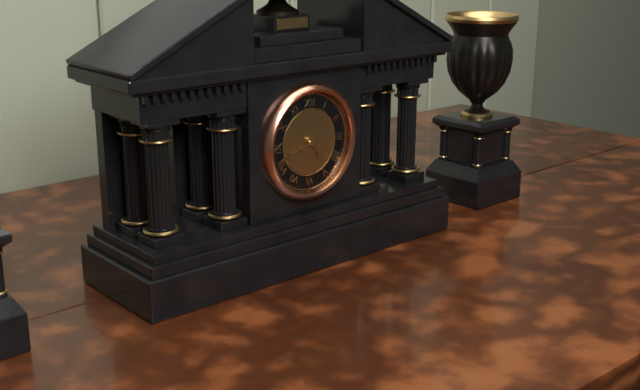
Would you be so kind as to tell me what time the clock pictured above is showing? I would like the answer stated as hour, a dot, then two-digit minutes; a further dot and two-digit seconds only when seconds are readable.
4.42
